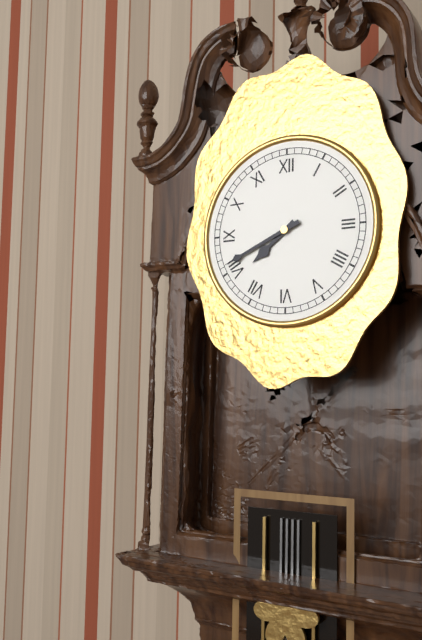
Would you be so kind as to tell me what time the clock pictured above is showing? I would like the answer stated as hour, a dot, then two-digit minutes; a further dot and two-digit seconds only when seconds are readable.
7.41
